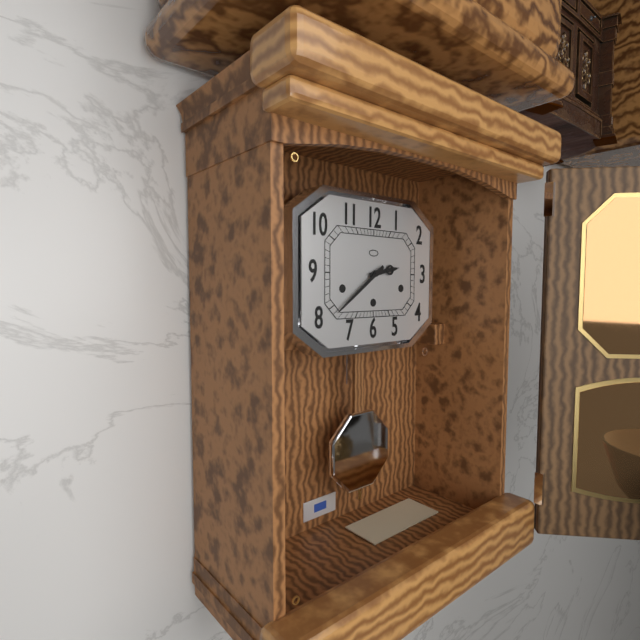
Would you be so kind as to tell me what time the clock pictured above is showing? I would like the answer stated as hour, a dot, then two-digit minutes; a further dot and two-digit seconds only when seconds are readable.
2.39
